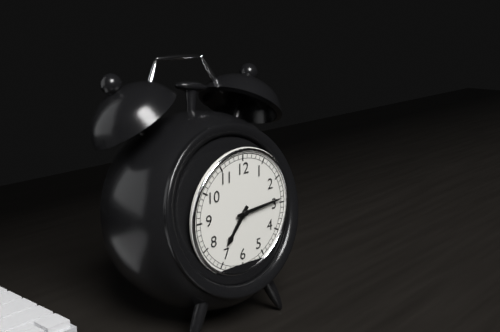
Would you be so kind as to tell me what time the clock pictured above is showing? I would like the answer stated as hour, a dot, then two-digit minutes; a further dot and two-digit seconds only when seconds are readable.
7.14
